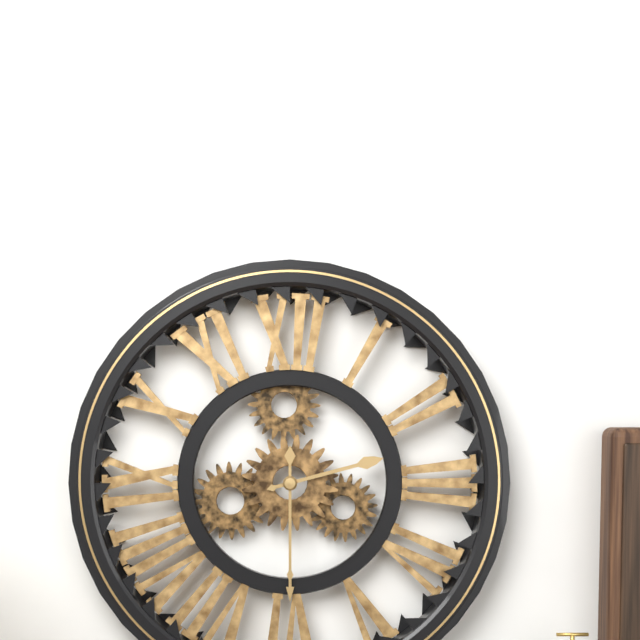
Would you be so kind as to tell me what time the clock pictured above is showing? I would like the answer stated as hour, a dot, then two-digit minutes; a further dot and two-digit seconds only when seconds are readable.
2.30
